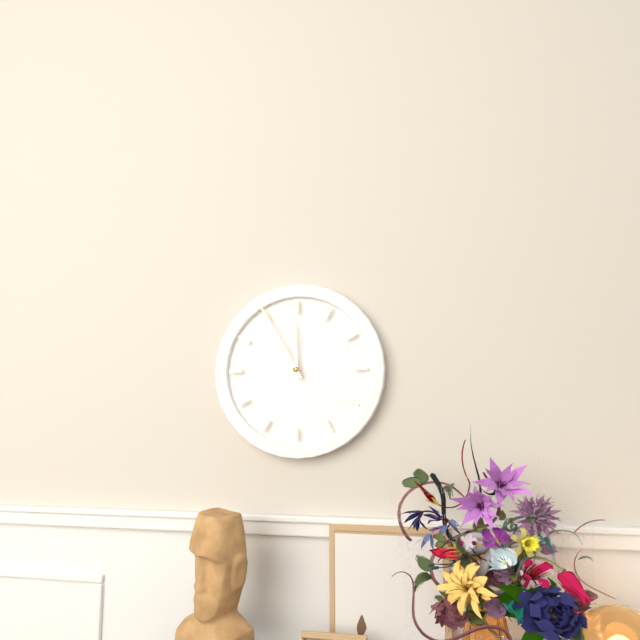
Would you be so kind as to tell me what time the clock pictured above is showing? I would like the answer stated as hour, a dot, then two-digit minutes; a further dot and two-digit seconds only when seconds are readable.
11.55
